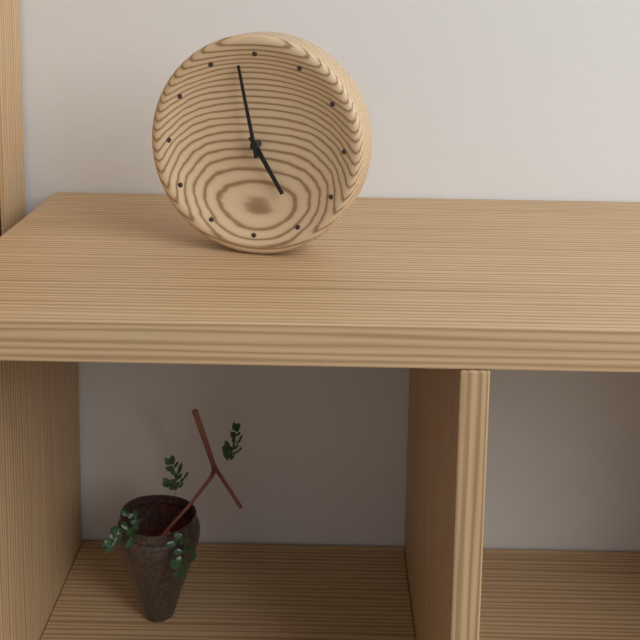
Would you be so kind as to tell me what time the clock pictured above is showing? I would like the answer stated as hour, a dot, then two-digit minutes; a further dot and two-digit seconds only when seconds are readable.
4.58
